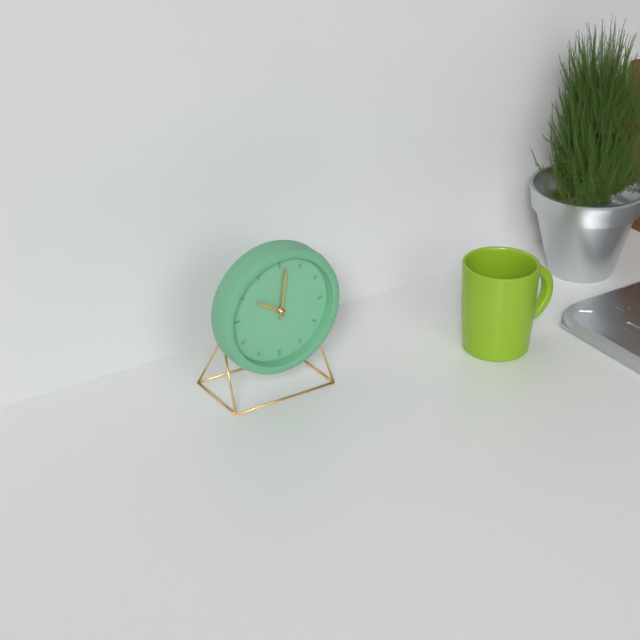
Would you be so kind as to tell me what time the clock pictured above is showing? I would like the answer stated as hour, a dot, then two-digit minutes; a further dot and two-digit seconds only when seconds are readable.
10.01
